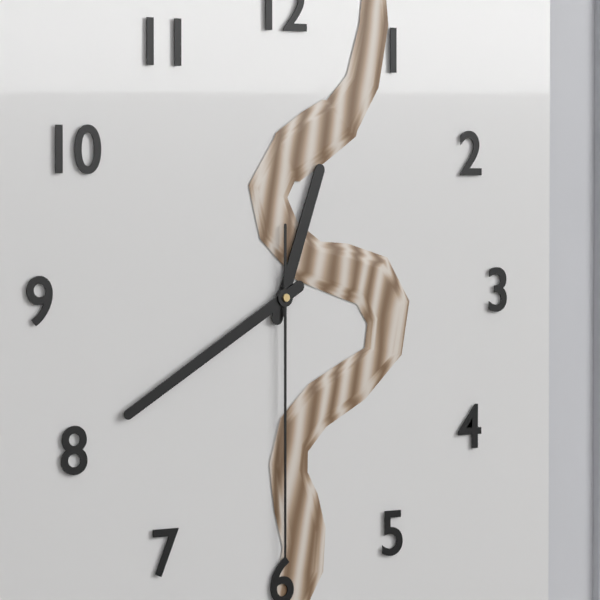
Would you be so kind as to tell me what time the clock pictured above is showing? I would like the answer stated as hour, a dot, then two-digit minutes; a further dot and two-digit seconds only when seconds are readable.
12.40.30
